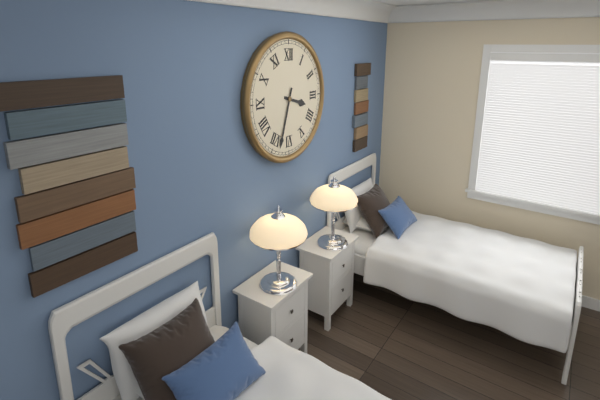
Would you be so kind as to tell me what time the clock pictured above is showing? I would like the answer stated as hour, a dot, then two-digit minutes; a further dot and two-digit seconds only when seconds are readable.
3.33
